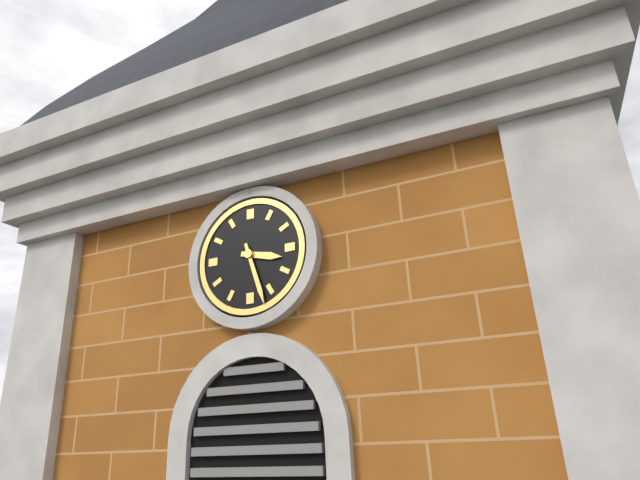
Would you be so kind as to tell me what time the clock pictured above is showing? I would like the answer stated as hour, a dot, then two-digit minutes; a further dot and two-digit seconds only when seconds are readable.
3.27
